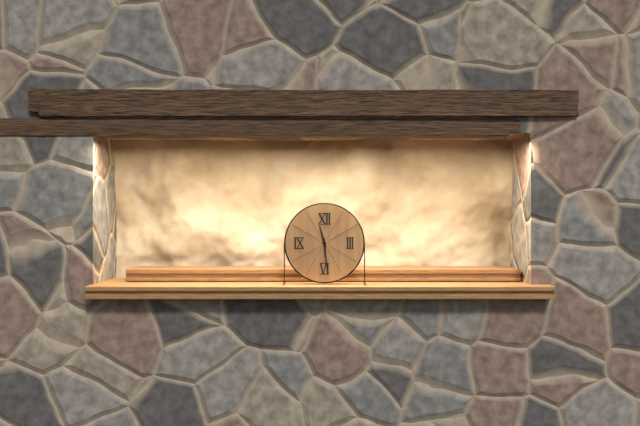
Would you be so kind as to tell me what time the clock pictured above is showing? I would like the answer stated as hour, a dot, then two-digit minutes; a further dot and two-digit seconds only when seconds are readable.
11.29
